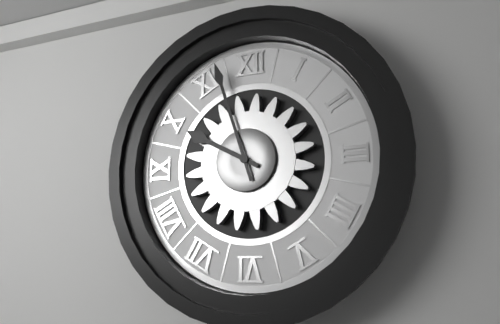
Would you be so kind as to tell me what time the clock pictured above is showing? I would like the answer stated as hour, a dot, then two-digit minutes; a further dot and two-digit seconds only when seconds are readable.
9.57
